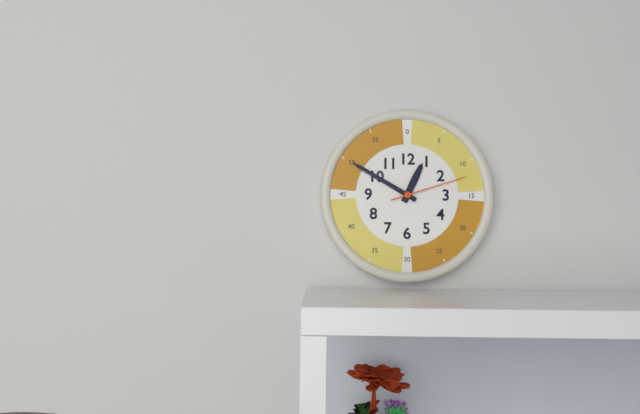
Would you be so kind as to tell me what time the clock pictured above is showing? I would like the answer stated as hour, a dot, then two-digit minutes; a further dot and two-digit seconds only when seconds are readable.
12.50.12
